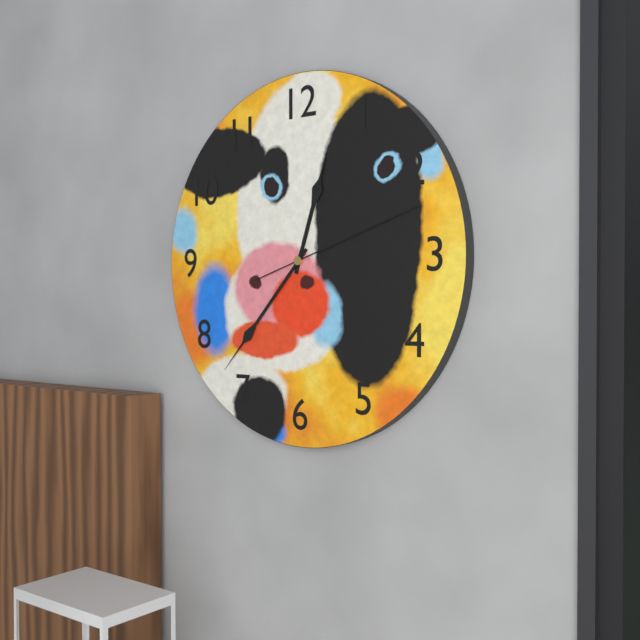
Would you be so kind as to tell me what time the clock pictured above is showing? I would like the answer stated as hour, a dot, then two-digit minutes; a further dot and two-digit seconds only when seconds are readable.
12.37.12
